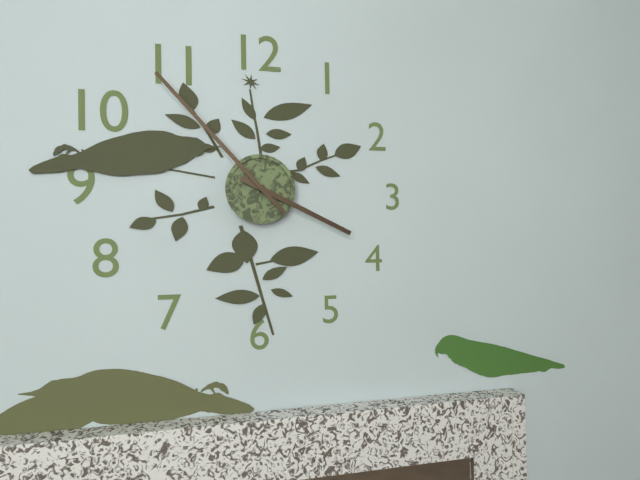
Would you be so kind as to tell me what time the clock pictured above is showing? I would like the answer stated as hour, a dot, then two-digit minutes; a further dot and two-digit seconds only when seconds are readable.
3.53
